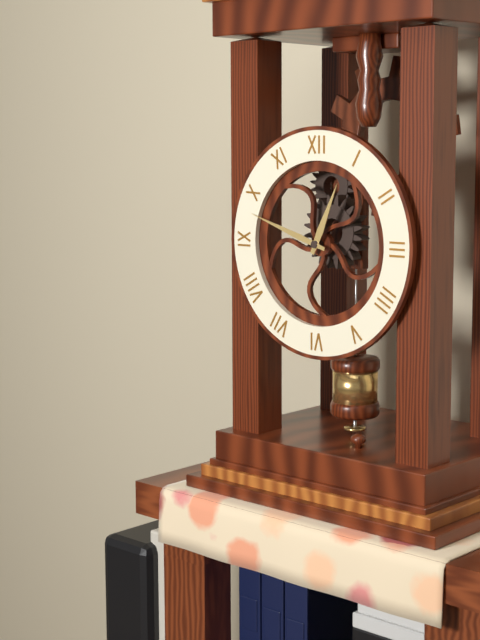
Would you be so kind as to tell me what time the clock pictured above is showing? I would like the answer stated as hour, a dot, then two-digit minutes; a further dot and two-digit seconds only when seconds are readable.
12.48
